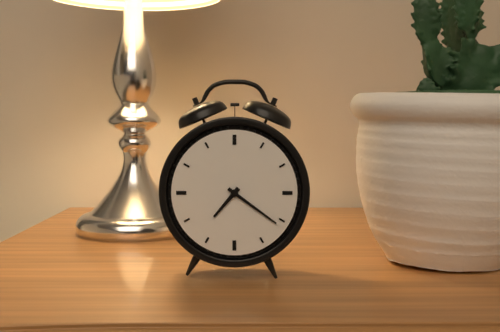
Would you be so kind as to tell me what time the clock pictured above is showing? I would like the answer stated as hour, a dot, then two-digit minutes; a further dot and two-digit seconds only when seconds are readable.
7.21
